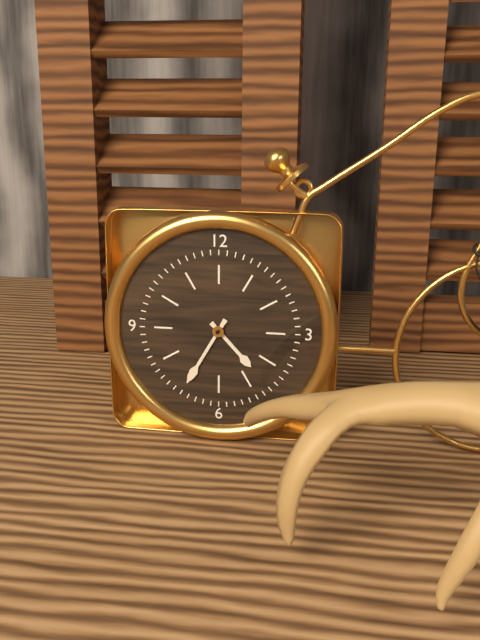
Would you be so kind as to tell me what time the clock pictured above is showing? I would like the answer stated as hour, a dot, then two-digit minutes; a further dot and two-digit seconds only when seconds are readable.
4.35
